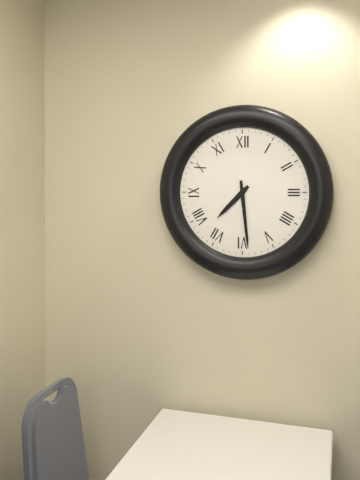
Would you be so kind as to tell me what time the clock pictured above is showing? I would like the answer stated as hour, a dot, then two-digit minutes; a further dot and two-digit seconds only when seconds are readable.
7.29
